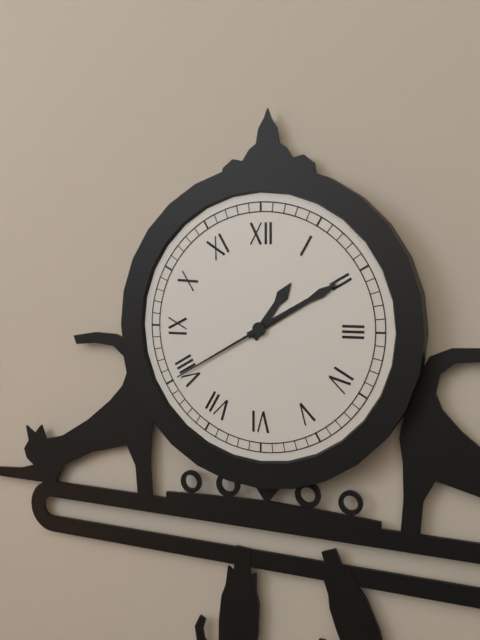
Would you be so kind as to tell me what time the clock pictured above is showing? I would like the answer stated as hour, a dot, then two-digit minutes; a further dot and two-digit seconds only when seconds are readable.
1.10.40
